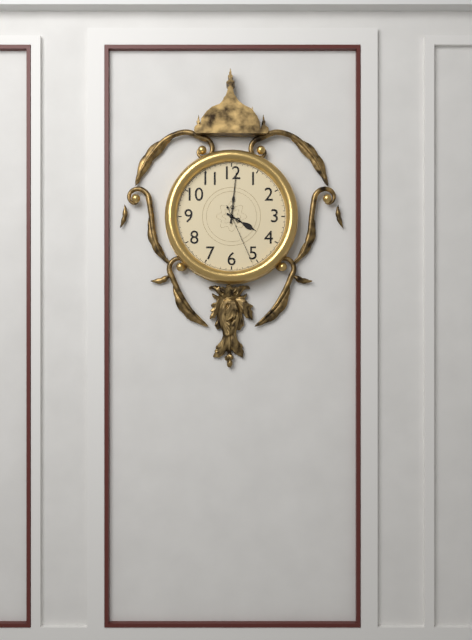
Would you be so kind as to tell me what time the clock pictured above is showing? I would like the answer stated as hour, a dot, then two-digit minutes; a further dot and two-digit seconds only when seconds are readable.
4.01.26
